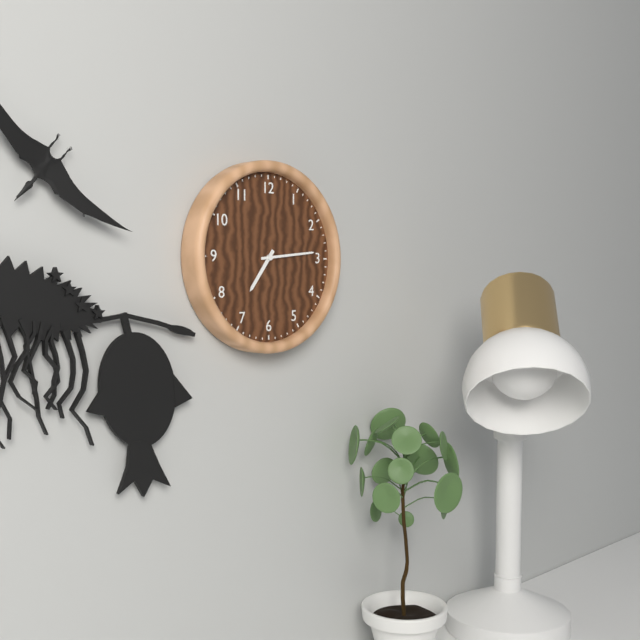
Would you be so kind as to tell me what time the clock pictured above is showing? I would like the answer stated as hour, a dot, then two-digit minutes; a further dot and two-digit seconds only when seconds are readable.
7.14
